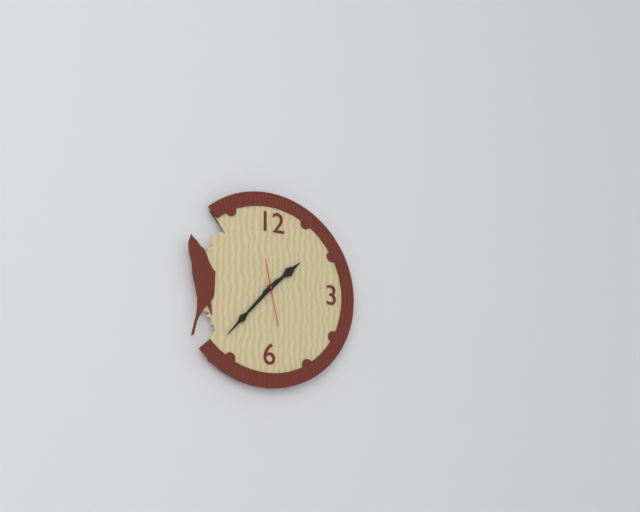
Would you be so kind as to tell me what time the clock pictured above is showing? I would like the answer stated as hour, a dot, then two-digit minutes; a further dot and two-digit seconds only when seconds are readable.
1.37.28
